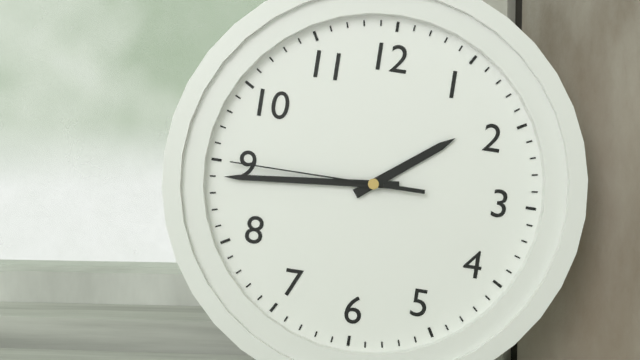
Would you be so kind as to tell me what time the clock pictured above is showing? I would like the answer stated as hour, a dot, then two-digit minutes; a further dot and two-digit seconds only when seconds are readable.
1.44.45
